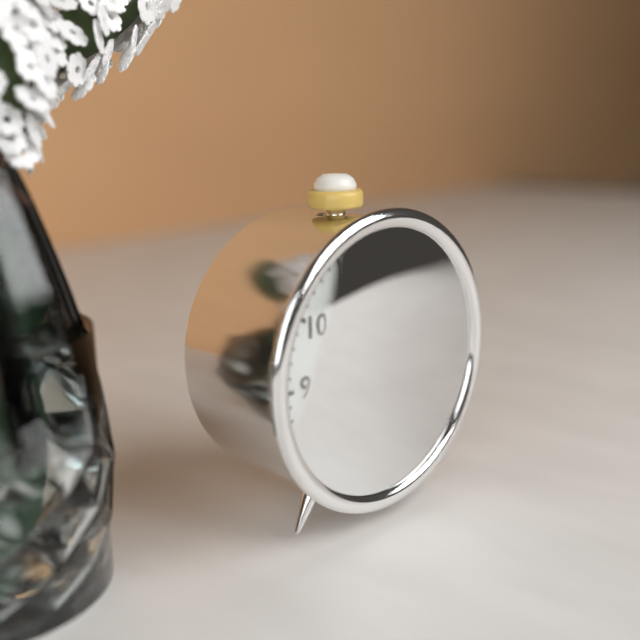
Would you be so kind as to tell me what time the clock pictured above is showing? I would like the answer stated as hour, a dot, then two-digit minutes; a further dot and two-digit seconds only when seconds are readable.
3.54
